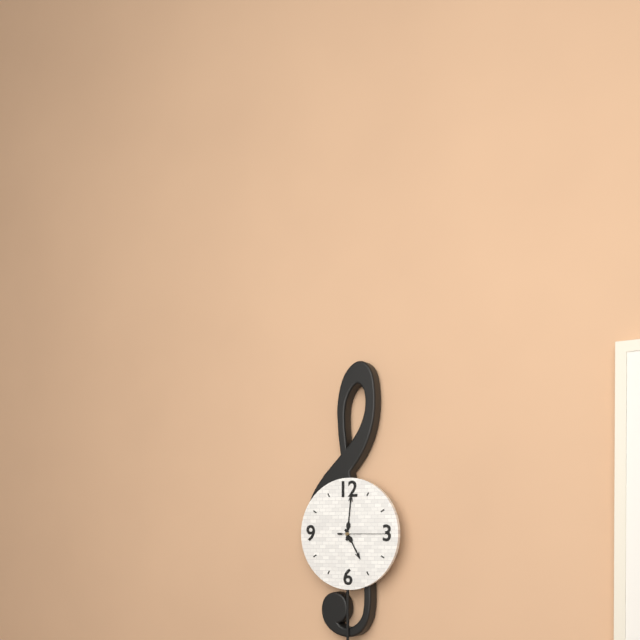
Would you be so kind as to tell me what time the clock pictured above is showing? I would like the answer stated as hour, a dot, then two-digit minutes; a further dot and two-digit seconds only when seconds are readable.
5.01.15
